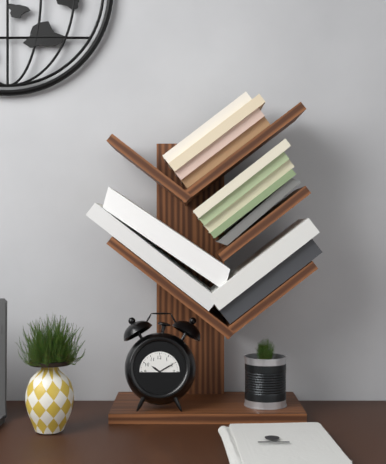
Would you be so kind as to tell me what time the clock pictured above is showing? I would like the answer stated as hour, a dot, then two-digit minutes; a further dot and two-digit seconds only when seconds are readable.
10.10
